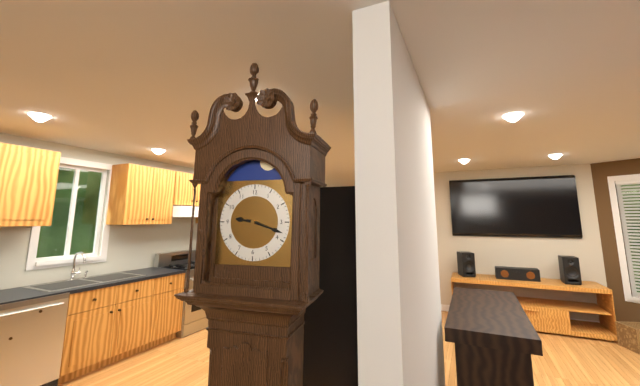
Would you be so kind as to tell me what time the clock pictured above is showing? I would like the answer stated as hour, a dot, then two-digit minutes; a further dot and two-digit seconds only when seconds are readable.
9.18
